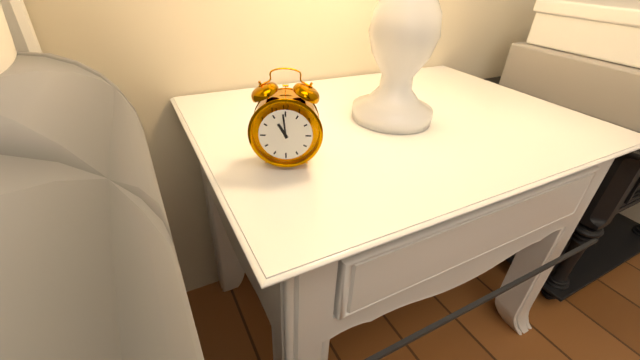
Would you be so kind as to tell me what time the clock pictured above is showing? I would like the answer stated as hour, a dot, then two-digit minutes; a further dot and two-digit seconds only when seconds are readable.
10.59
